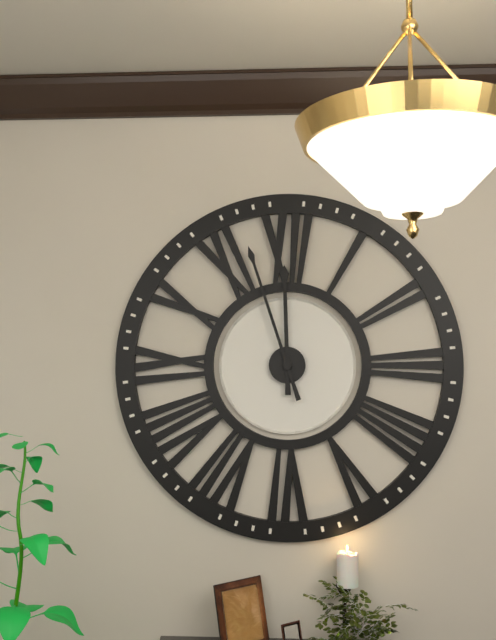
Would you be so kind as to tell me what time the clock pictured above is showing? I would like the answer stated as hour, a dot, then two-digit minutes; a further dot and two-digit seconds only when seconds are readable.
11.57
